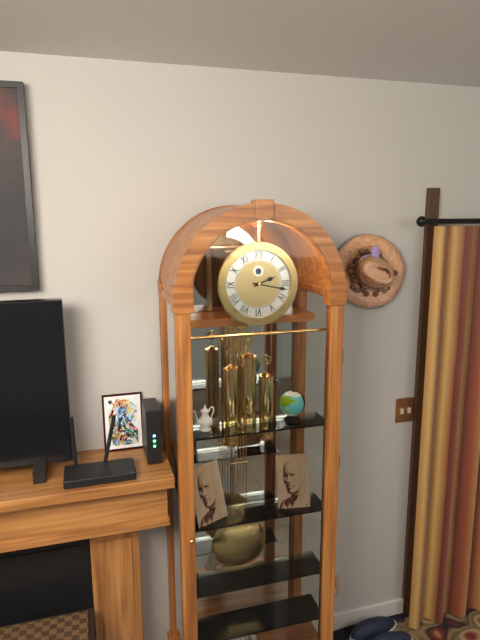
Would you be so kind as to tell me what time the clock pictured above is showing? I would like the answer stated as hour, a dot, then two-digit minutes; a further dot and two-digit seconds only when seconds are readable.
2.17
